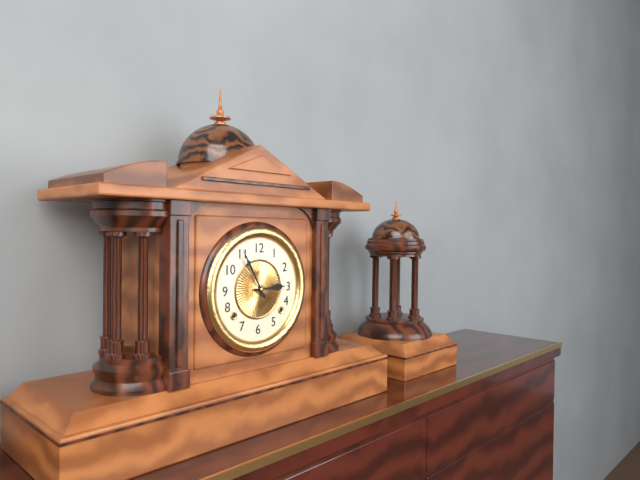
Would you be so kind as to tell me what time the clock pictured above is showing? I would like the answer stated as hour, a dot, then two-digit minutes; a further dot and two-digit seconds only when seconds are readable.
2.55
